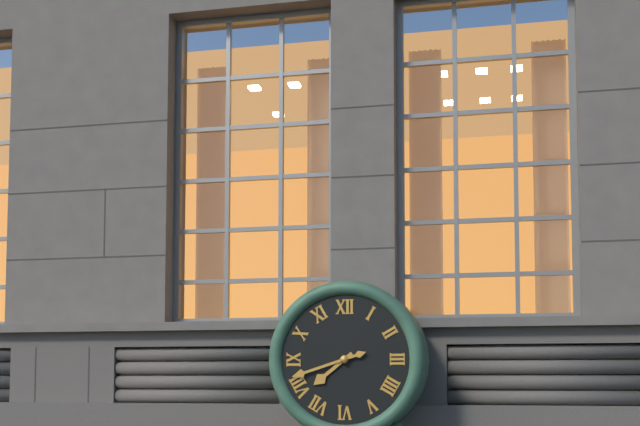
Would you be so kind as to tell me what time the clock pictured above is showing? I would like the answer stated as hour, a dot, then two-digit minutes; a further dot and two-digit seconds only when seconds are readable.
7.42
